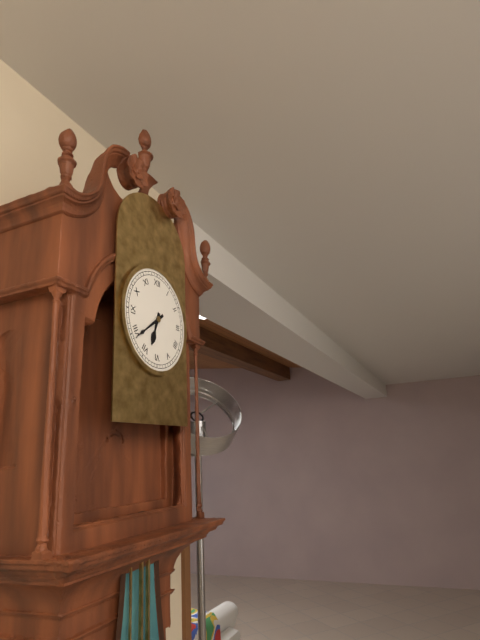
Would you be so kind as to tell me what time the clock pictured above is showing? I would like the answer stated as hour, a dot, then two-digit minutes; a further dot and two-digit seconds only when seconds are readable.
6.39
